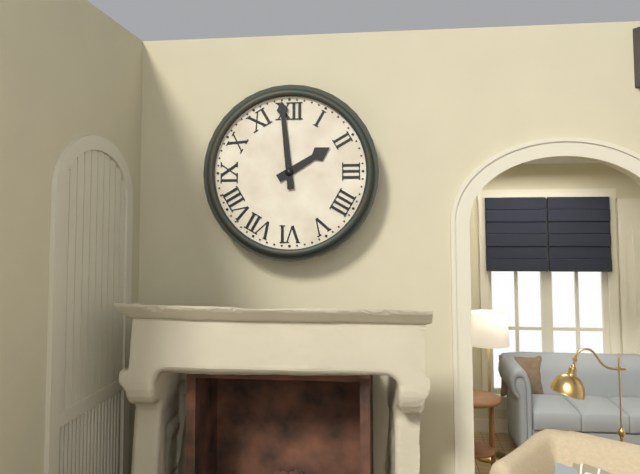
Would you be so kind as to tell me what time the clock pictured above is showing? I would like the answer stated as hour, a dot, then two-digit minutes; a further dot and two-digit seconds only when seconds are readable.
1.59
